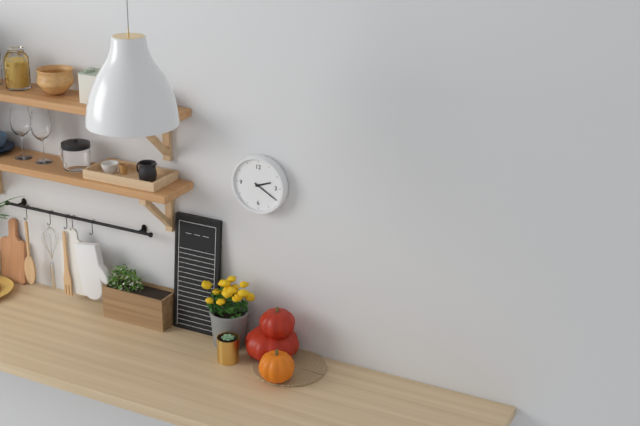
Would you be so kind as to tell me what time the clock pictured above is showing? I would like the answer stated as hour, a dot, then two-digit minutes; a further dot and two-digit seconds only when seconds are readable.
2.20
